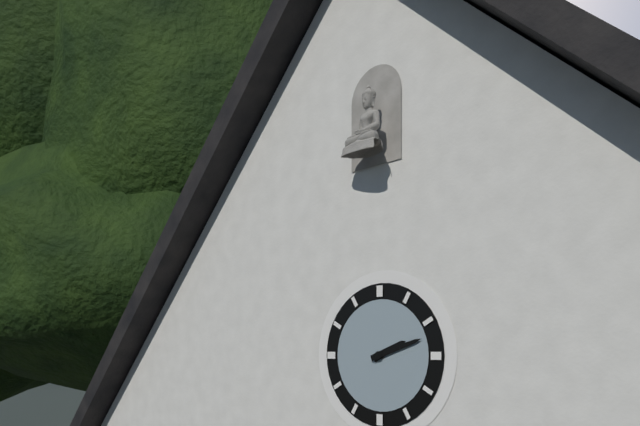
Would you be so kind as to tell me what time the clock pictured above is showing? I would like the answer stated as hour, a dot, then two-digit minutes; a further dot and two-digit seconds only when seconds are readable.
2.12
